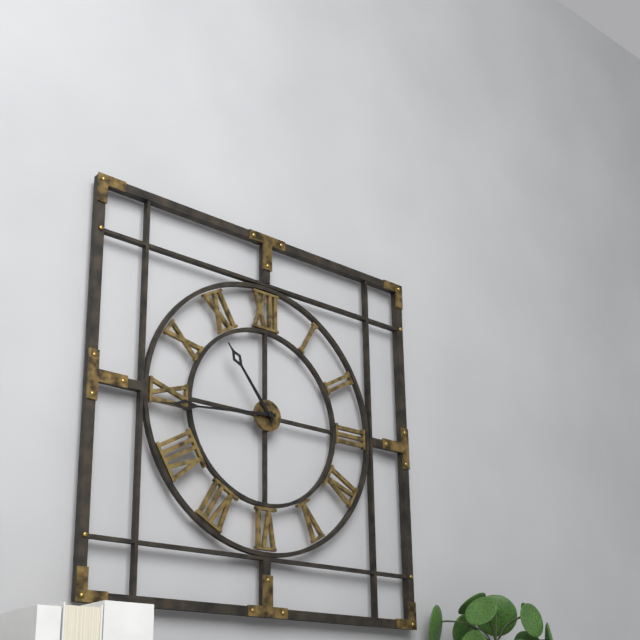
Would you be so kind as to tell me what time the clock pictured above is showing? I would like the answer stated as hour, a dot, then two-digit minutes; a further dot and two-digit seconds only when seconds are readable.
10.44
